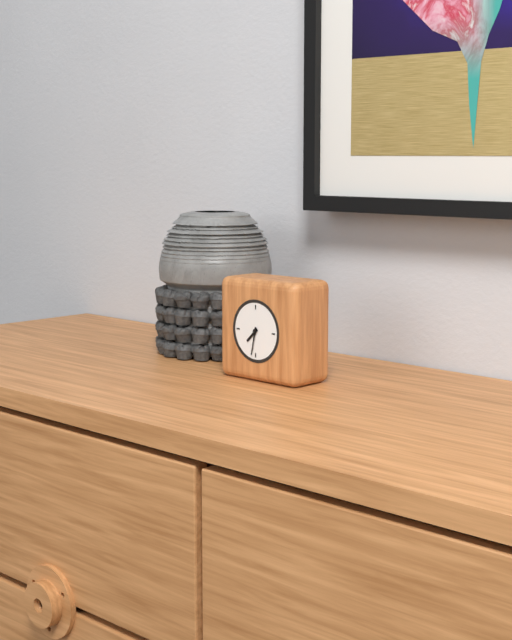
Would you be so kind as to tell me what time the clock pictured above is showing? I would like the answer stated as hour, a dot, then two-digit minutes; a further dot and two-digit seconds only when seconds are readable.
7.32
